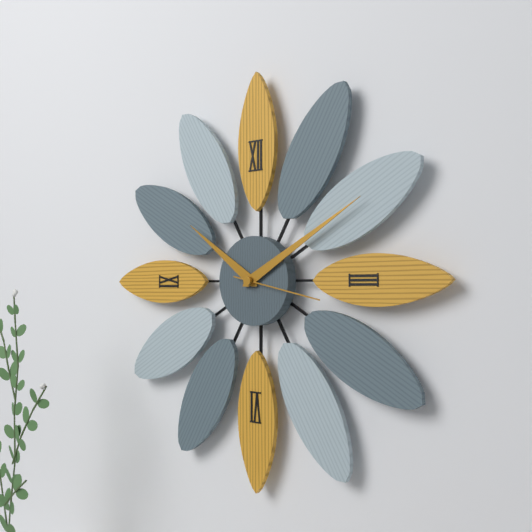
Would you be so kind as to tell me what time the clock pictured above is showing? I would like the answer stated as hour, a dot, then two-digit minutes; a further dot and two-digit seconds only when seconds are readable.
10.10.17
